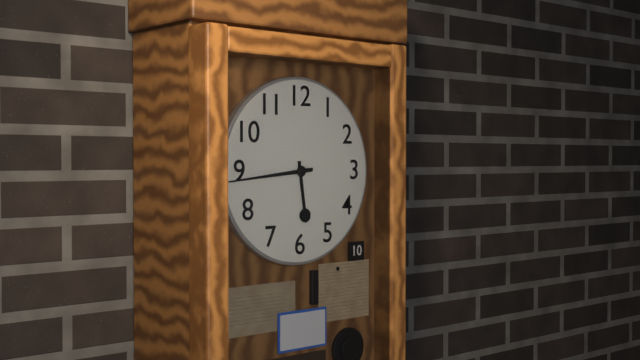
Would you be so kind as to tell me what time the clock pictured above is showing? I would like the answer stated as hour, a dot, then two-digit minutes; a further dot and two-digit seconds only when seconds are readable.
5.44
